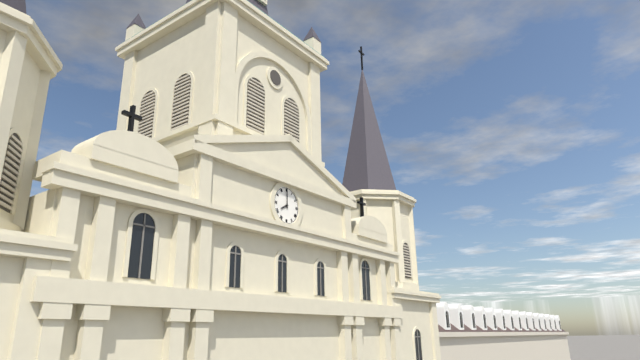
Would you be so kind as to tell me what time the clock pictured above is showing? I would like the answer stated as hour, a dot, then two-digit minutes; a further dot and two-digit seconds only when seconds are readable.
8.00
